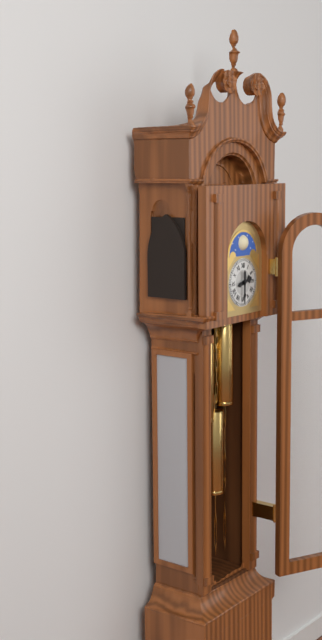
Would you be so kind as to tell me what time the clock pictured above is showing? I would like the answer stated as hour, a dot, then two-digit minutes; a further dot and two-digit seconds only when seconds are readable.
2.30
